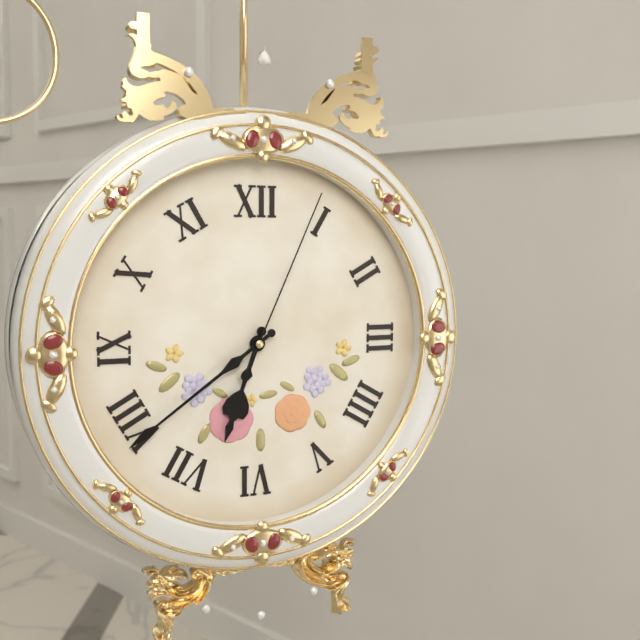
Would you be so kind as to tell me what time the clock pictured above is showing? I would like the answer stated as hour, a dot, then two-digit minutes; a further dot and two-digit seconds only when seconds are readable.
6.39.04
